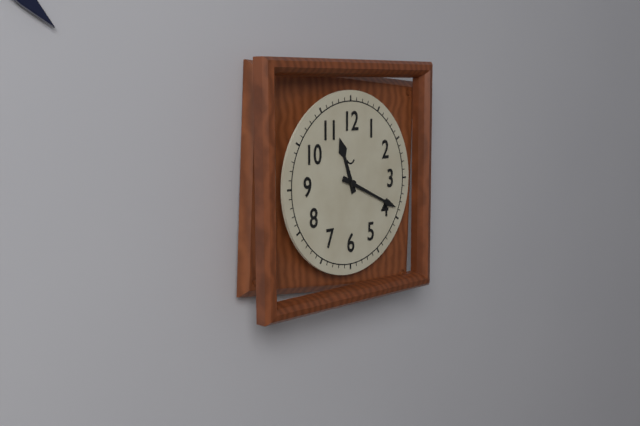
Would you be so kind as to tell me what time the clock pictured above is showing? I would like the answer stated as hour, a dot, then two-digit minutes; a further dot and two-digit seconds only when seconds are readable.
11.19
